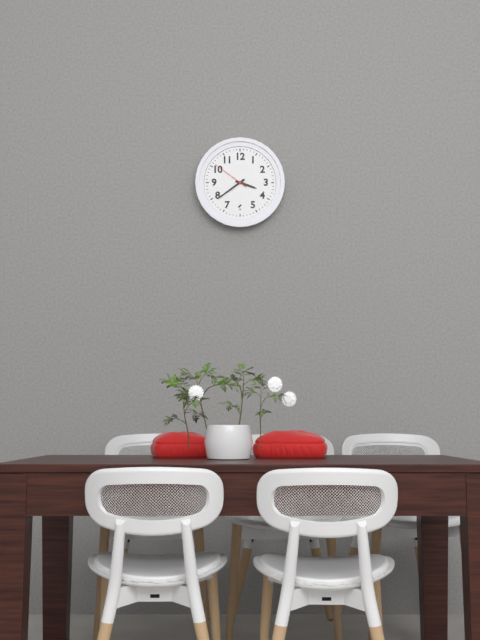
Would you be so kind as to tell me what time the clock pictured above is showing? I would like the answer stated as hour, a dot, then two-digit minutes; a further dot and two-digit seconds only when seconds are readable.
3.39
